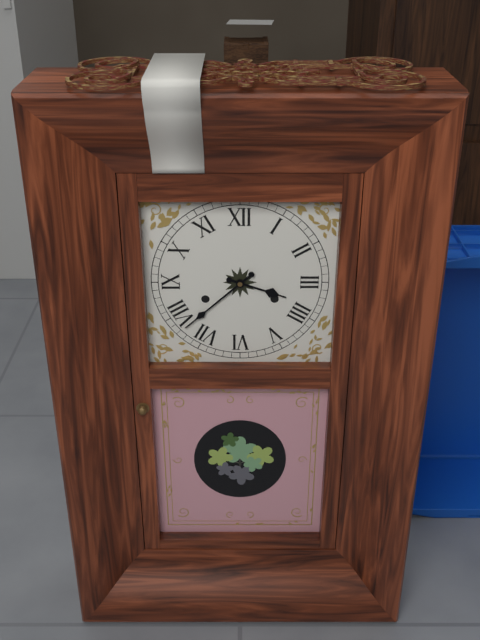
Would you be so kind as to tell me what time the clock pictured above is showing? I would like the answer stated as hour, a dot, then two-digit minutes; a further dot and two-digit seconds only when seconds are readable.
3.38
